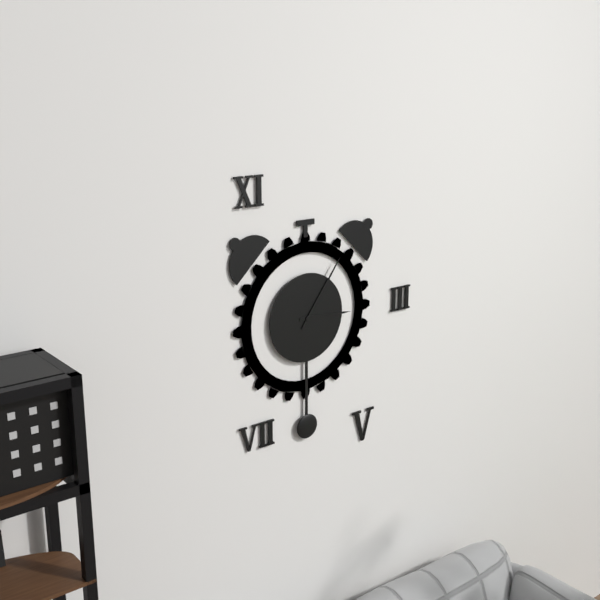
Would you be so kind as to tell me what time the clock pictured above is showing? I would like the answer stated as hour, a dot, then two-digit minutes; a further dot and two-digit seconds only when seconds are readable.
3.06
